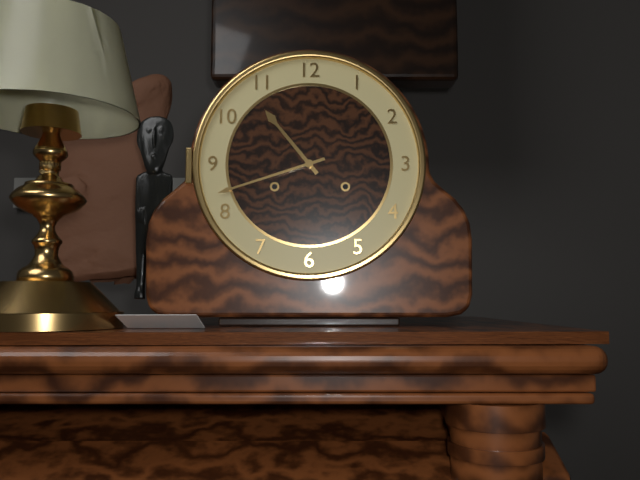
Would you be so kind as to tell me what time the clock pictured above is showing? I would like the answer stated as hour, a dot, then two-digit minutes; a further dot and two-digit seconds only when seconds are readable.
10.42
